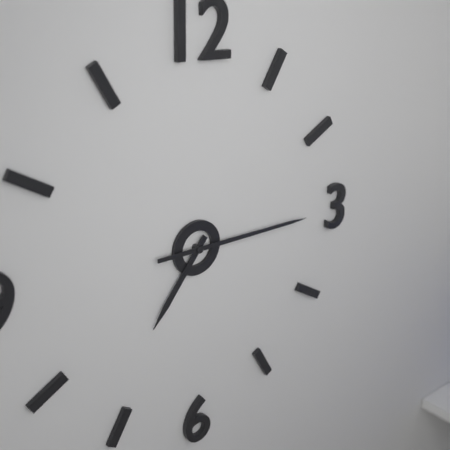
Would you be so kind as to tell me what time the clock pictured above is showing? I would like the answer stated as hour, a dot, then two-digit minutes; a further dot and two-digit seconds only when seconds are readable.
7.15
